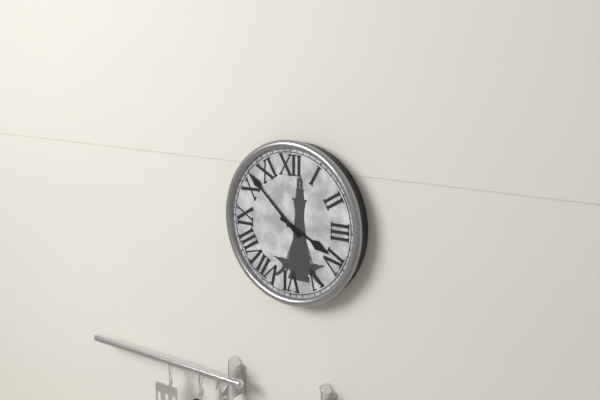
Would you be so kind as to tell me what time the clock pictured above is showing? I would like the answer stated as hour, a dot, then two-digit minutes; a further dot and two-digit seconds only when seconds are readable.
3.52
